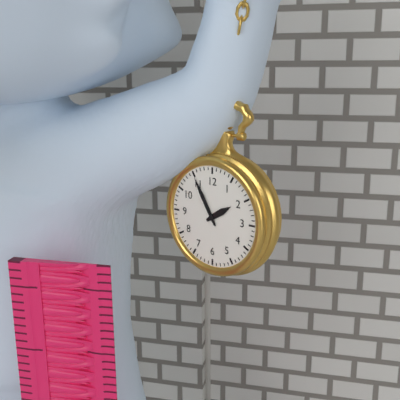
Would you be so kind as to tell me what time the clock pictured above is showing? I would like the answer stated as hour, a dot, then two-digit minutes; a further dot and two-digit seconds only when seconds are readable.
1.55
